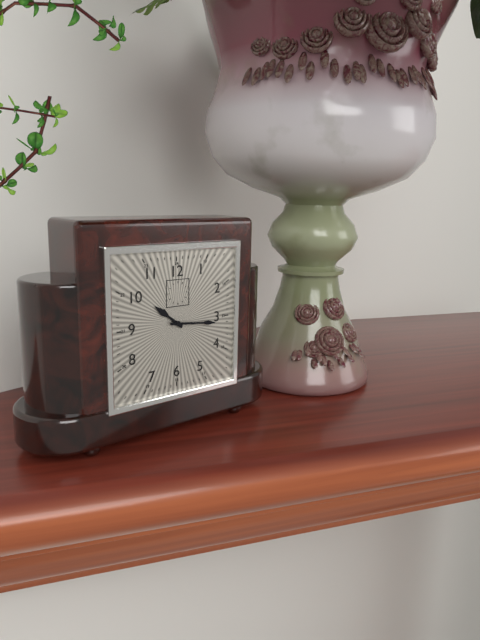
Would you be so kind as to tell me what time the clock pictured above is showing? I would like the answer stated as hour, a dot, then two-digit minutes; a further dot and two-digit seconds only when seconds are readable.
10.16
